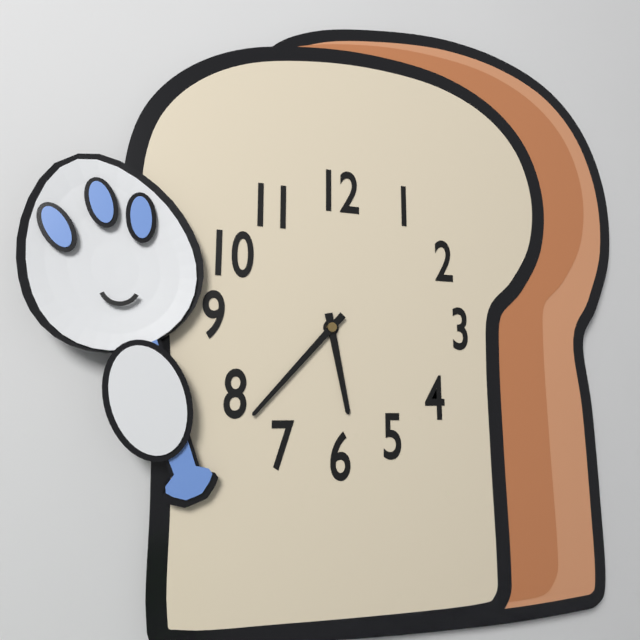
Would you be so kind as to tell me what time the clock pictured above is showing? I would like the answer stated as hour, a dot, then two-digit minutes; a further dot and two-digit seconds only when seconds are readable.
5.37
